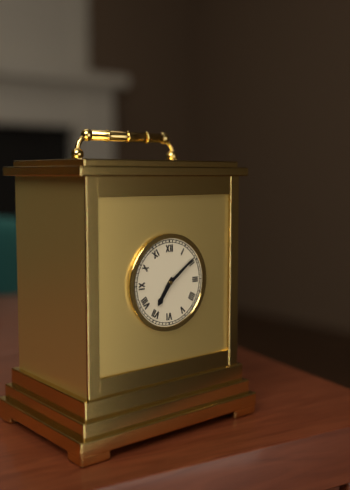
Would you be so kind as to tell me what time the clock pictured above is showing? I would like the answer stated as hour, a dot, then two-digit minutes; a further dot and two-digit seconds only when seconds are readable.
7.09
